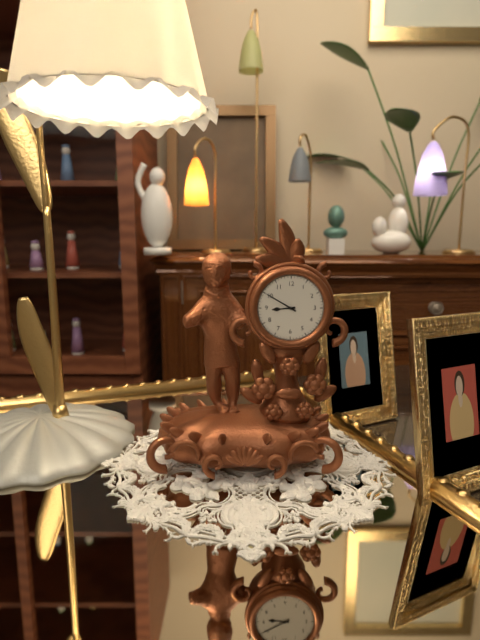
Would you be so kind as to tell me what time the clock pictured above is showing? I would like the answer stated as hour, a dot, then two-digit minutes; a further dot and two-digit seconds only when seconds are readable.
8.50
